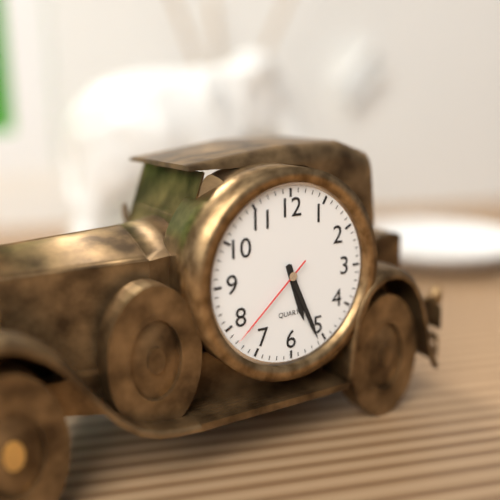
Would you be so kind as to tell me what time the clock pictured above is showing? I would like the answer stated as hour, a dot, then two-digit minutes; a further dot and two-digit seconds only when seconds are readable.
5.26.38
